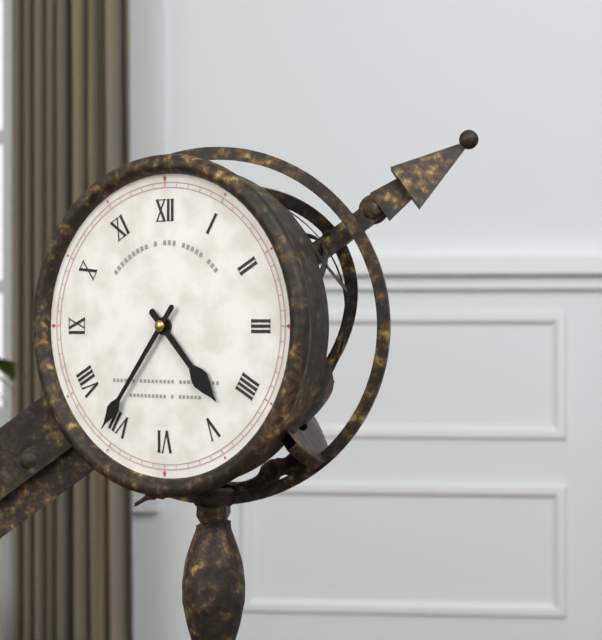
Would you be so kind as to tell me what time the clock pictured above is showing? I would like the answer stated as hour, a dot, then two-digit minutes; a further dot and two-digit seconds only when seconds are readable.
4.36
